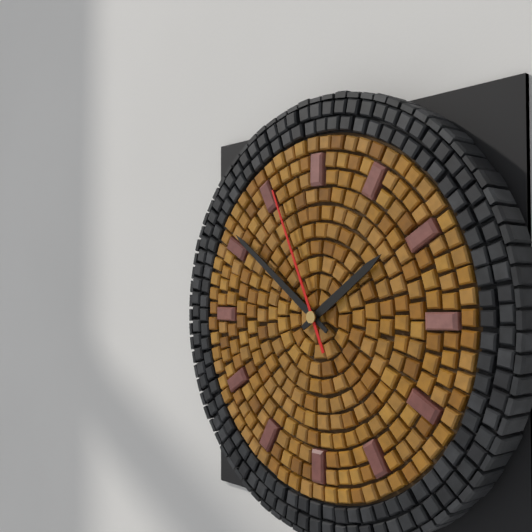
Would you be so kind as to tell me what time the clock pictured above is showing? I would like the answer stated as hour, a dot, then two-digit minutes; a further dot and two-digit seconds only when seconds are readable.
1.51.56
